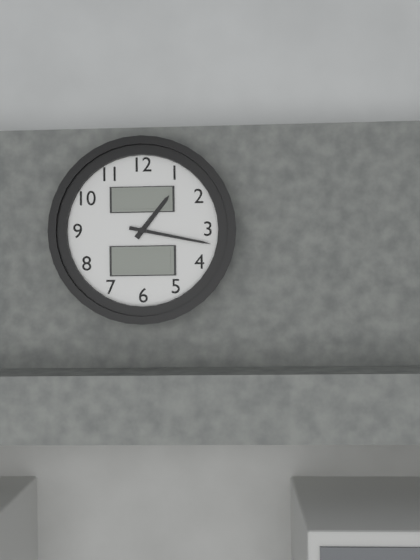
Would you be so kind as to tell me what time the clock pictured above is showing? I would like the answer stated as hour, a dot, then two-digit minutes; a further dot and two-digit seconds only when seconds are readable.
1.17
